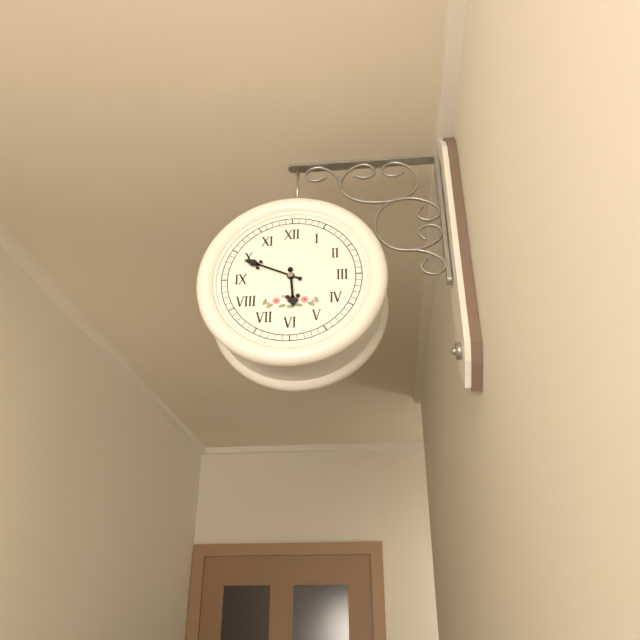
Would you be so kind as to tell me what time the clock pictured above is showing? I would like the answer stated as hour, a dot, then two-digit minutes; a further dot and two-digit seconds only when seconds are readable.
5.49
